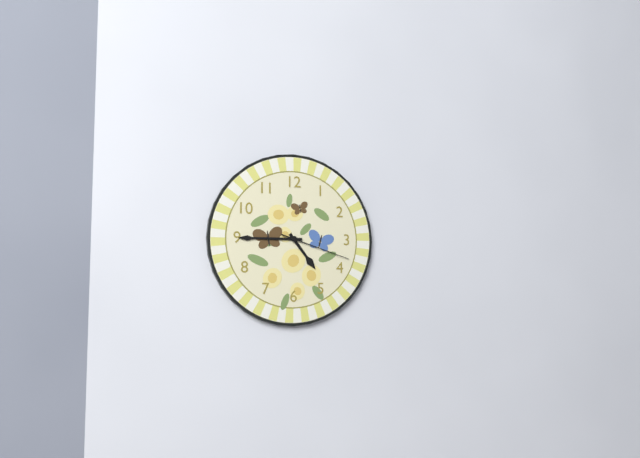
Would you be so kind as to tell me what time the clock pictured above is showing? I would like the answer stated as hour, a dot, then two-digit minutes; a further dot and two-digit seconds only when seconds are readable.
4.45.18
